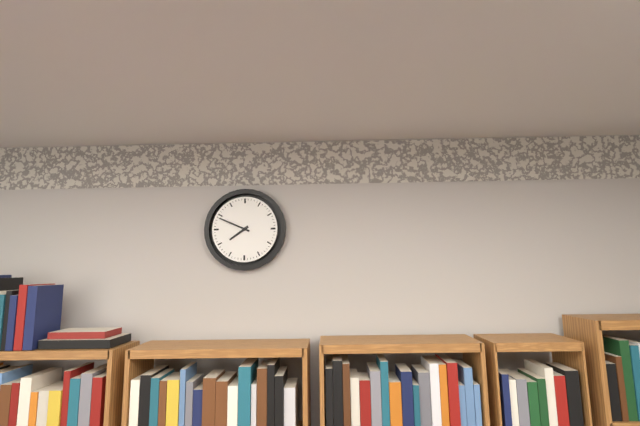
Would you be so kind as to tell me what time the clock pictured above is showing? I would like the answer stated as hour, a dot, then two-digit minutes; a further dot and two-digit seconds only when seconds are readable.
7.49
